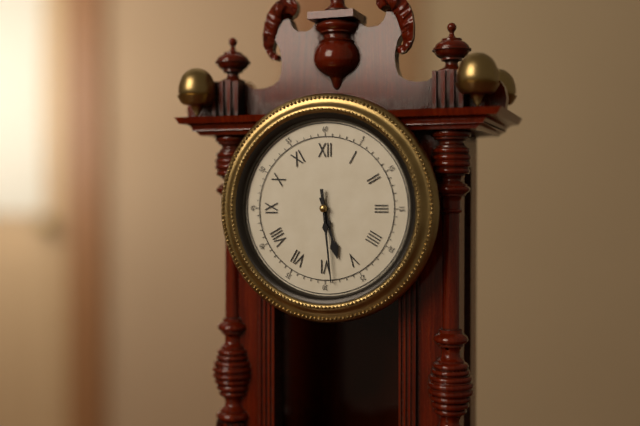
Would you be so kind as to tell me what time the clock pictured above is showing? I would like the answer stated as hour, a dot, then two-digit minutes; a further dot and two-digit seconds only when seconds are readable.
5.29
